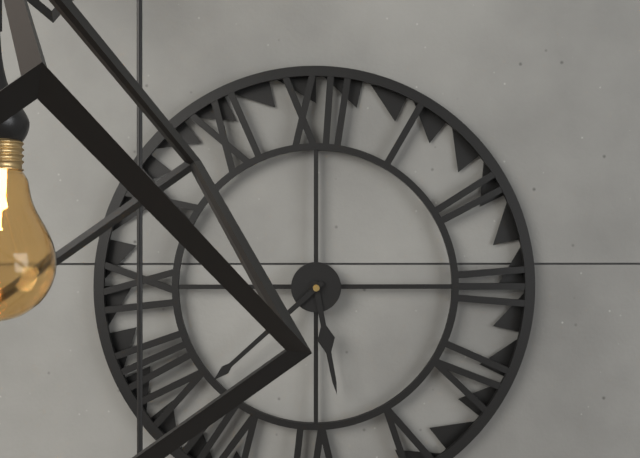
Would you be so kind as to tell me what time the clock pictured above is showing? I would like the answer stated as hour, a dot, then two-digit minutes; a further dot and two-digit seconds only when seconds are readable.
5.38
